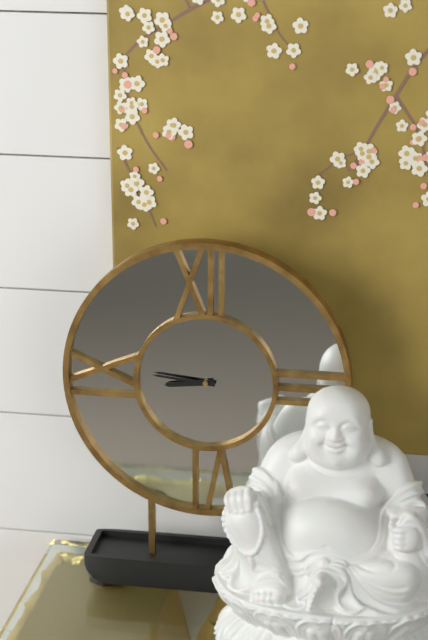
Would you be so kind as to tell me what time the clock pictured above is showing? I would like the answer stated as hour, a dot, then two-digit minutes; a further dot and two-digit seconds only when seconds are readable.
8.46
